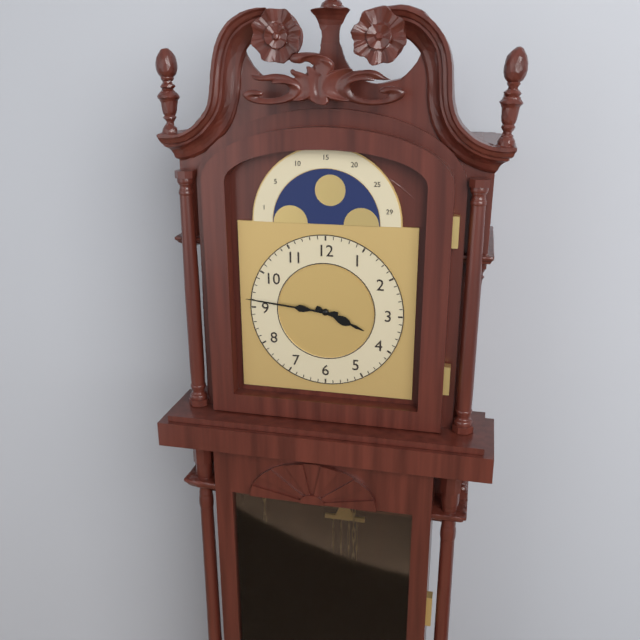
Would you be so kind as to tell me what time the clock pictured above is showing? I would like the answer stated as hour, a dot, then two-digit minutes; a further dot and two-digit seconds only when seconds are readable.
3.46
